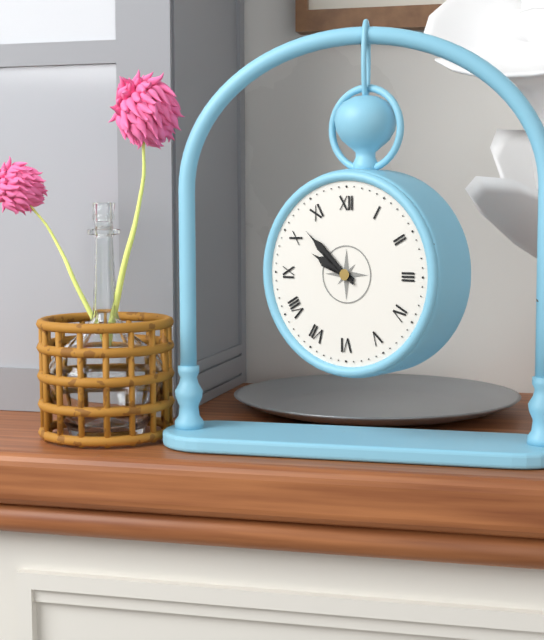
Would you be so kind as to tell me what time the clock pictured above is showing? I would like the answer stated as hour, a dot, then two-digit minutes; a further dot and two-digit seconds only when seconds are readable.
9.52
